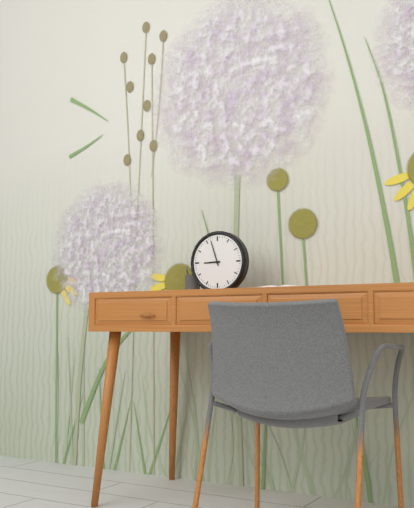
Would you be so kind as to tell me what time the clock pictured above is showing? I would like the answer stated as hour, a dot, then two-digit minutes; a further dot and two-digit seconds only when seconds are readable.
8.57
